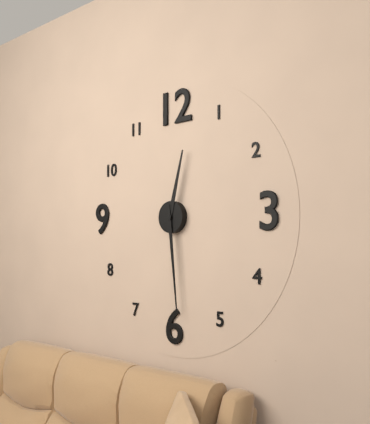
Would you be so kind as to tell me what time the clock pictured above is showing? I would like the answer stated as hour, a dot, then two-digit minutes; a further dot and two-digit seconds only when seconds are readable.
12.29
